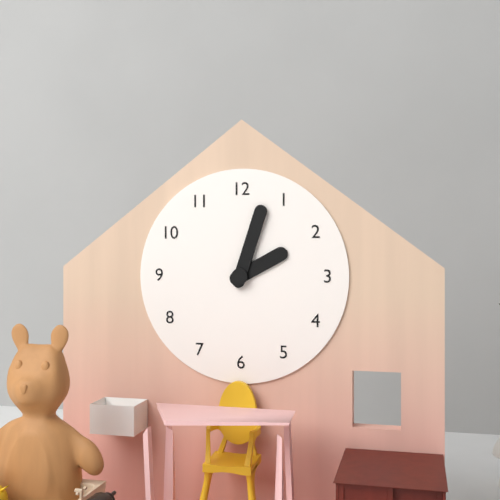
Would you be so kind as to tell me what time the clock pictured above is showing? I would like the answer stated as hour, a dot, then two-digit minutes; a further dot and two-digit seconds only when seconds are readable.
2.03
